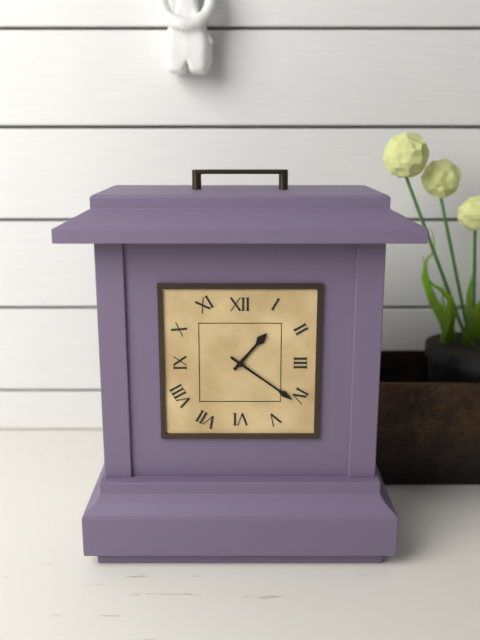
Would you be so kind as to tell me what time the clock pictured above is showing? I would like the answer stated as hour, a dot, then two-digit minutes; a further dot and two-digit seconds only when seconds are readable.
1.21
